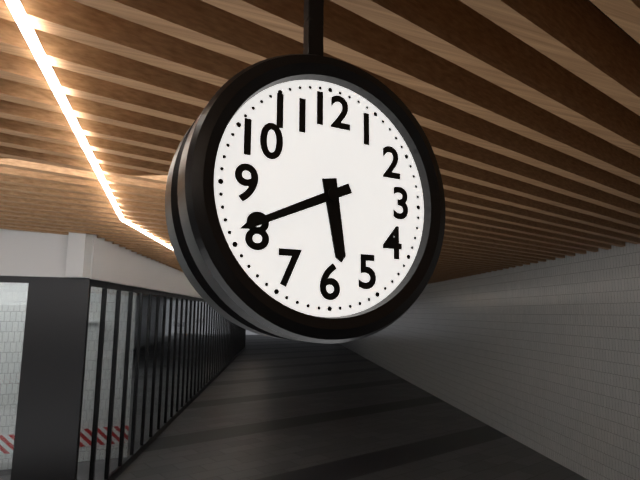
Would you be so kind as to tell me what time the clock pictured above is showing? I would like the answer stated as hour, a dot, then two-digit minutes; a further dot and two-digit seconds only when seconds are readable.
5.41
